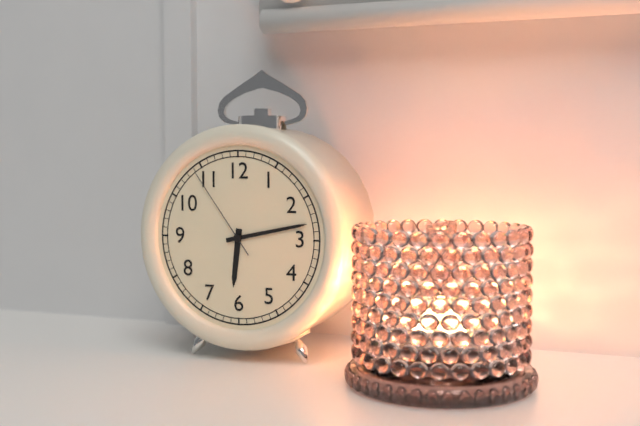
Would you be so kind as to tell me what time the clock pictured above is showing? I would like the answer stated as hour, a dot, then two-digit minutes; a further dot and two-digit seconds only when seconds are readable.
6.13.54
